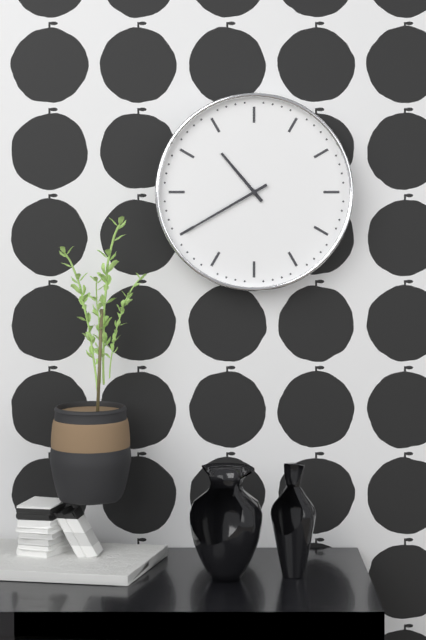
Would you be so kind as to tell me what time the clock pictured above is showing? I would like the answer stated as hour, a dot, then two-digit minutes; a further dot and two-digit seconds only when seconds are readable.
10.40
